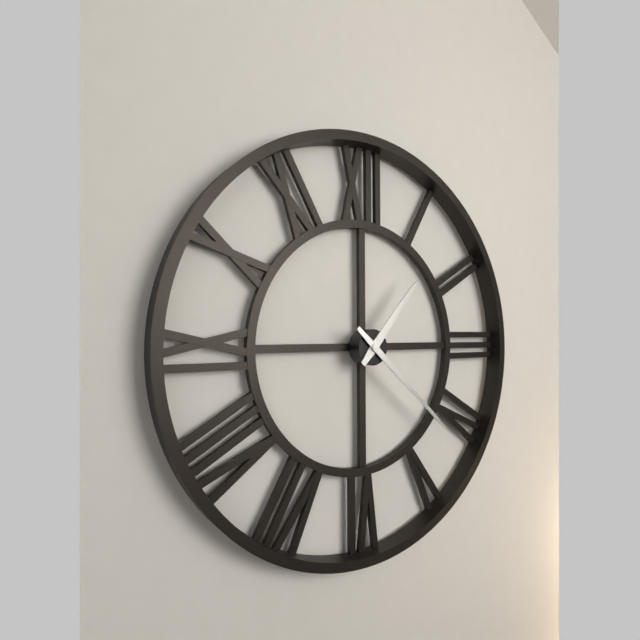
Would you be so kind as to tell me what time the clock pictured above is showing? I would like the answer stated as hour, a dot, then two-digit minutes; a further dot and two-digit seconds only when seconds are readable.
1.22
